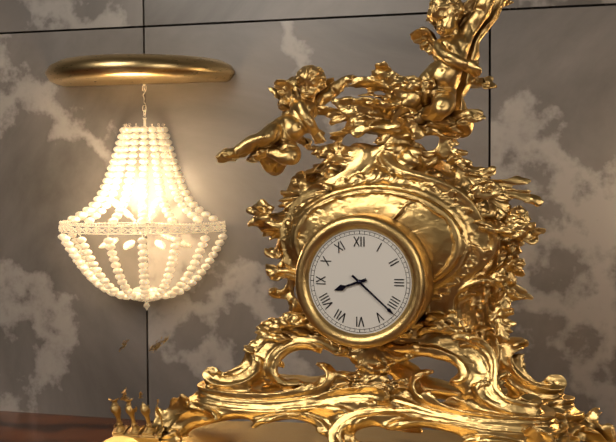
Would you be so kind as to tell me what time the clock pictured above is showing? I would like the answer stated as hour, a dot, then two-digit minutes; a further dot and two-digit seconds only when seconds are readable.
8.22
